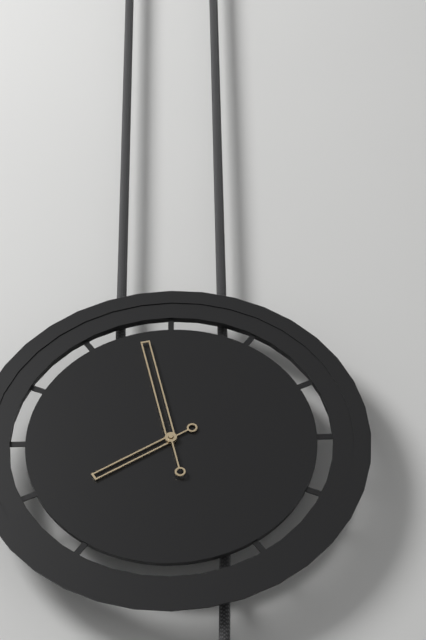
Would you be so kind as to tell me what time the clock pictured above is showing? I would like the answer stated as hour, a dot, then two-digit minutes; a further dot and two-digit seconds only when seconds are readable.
7.58
